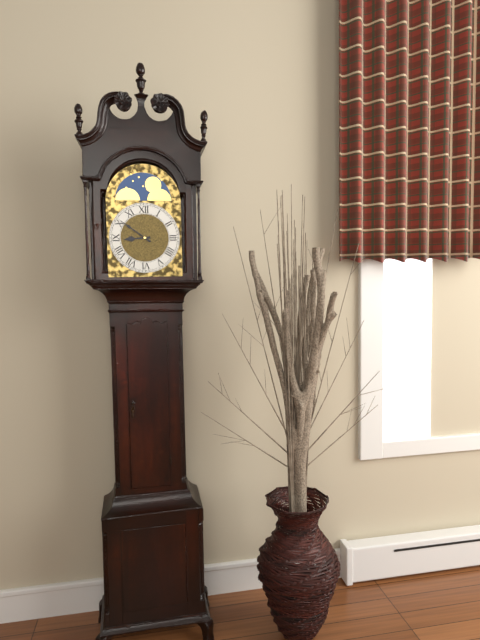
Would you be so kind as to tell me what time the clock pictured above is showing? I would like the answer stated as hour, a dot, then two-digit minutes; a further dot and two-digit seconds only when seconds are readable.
8.51
